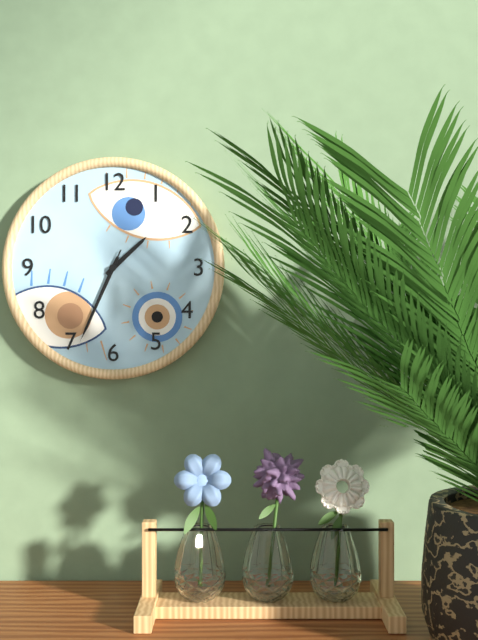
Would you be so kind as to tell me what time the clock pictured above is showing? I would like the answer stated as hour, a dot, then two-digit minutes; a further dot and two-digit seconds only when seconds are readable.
1.34.34
